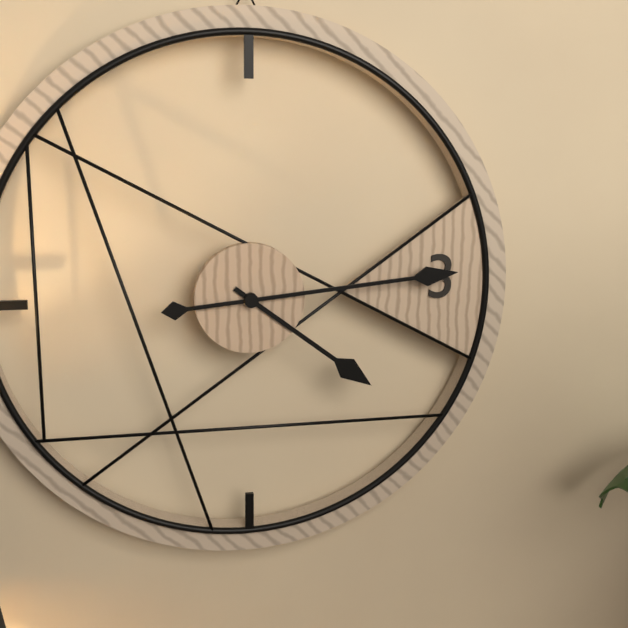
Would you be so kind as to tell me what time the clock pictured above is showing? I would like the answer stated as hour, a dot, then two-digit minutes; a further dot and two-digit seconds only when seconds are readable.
4.14
